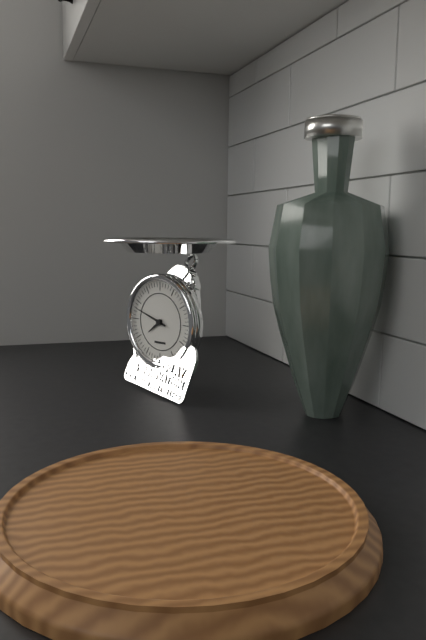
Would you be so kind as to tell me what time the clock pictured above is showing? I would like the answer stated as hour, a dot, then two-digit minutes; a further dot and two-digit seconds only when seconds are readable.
7.48
